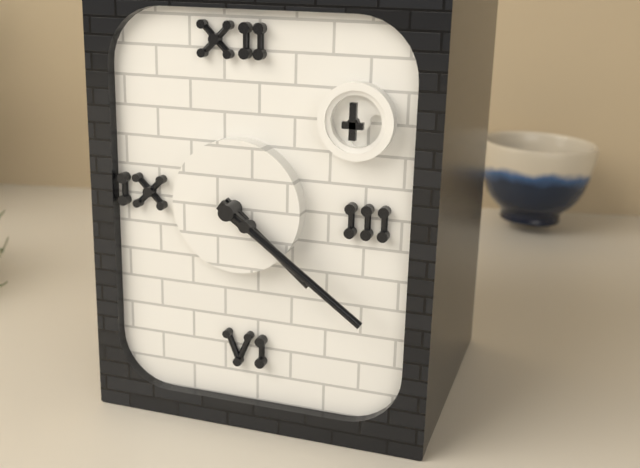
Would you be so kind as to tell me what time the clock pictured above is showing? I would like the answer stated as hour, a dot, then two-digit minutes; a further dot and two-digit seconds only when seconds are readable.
4.21
